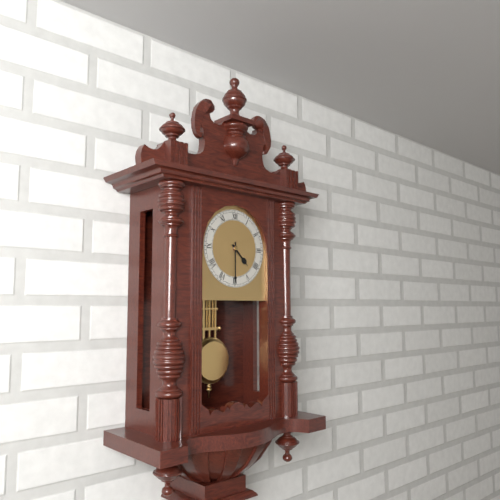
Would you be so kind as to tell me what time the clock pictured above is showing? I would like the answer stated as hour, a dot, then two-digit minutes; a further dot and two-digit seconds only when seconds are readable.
4.30
